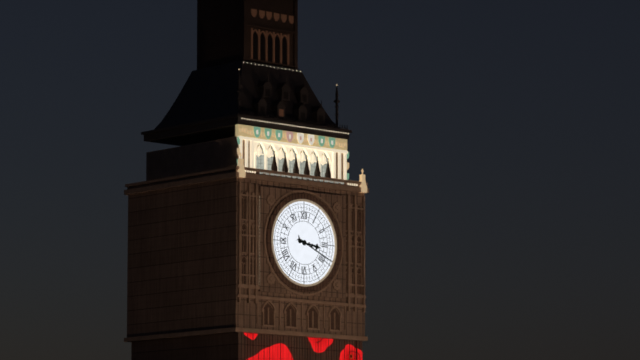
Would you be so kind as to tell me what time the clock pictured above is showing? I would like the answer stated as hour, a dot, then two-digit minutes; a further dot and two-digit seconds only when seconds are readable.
3.19
